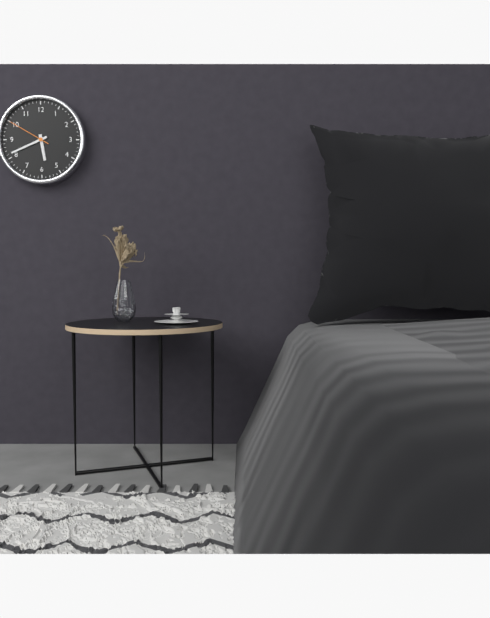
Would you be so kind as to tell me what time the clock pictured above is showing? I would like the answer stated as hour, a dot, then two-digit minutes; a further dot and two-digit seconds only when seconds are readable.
5.41
